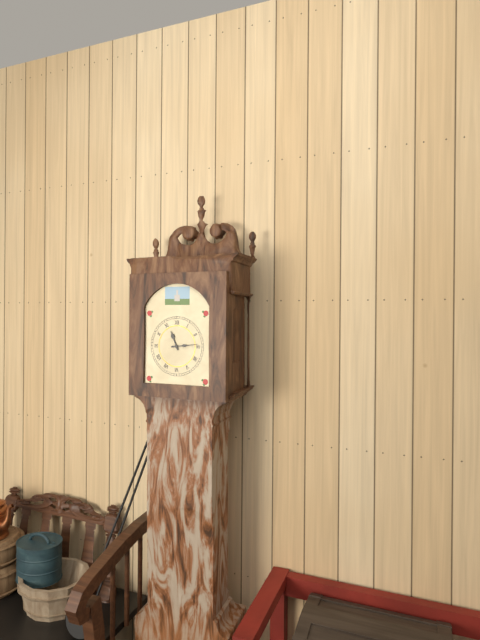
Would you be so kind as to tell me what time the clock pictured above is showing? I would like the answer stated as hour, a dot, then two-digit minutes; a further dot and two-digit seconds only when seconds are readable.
11.14
